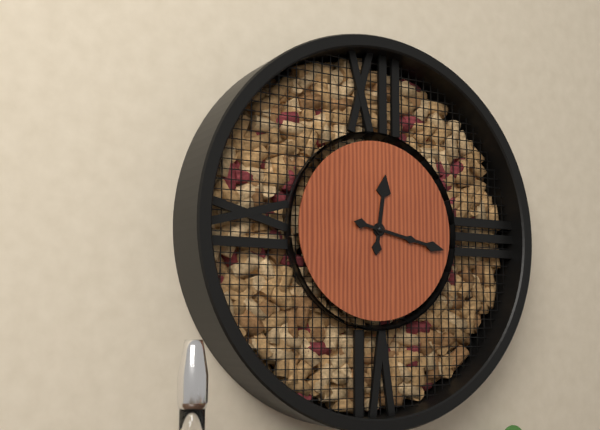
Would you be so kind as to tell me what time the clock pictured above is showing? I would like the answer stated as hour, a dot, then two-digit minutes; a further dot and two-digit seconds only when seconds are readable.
12.17
